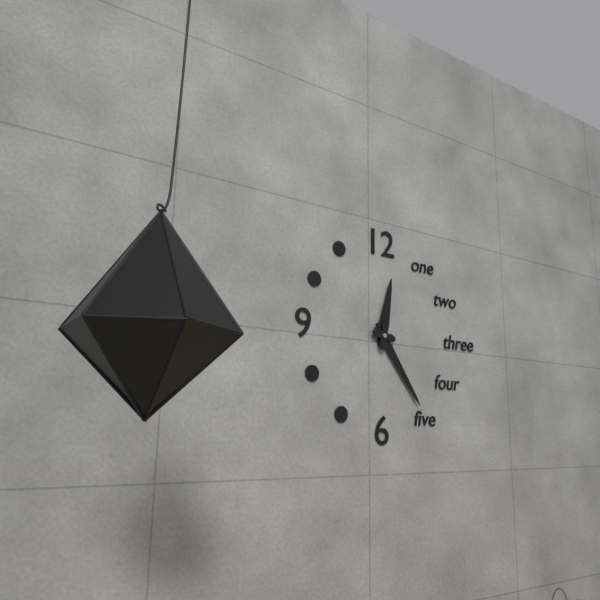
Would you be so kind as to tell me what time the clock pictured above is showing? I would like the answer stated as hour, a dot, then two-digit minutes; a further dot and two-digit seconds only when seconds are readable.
12.24
